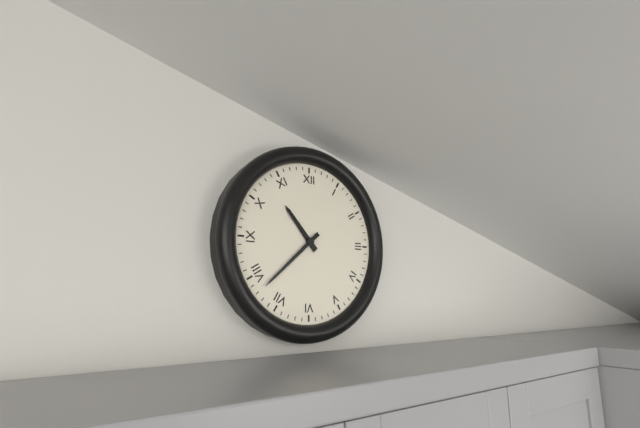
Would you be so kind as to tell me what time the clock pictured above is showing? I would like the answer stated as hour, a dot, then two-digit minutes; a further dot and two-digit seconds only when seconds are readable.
10.38
